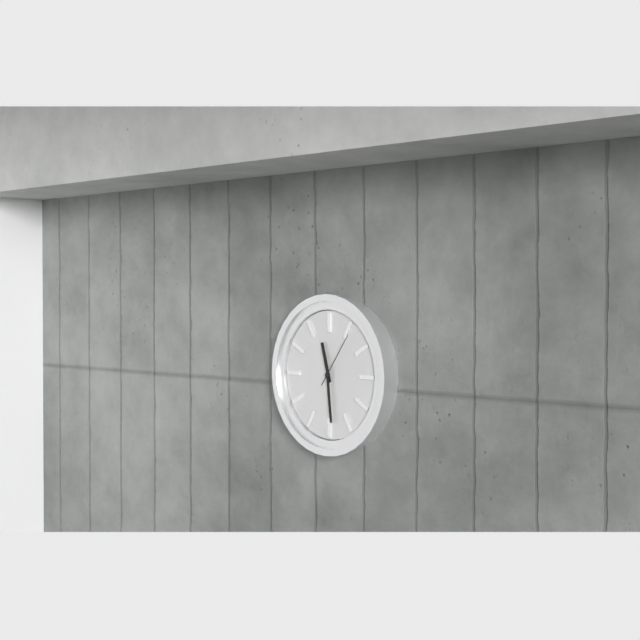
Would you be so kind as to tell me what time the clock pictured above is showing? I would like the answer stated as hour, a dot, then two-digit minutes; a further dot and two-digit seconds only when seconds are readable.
11.29.06
